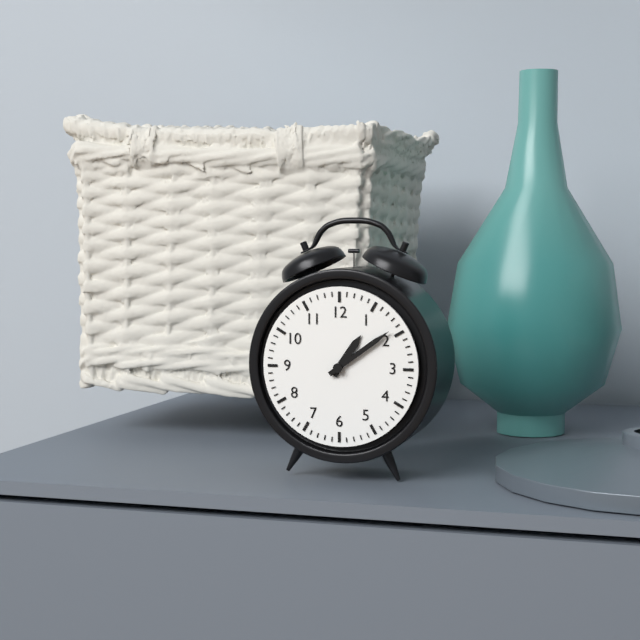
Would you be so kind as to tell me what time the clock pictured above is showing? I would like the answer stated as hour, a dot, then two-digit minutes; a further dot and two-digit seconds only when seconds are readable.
1.09
